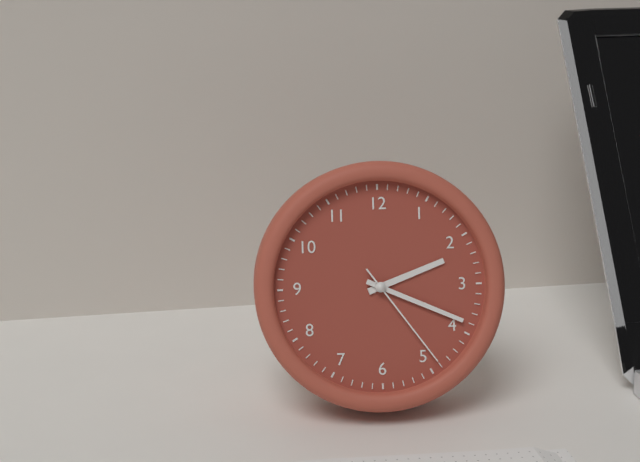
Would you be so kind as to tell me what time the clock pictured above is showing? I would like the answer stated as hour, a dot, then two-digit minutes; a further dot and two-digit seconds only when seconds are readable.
2.19.24
